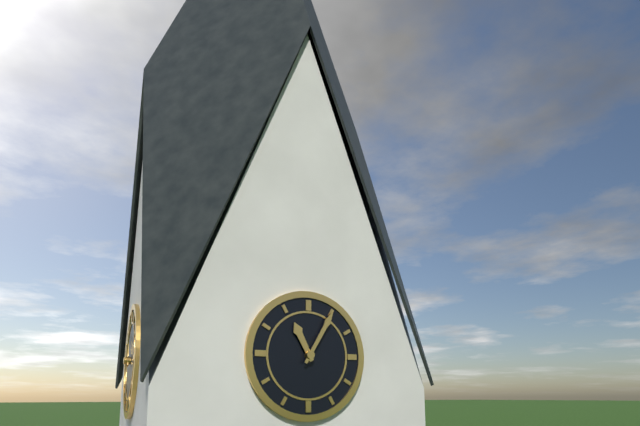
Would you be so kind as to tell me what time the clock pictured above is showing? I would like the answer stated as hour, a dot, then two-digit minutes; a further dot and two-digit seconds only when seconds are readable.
11.05
